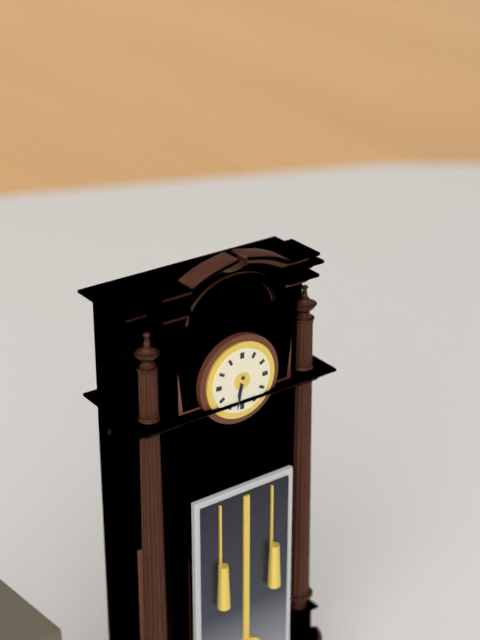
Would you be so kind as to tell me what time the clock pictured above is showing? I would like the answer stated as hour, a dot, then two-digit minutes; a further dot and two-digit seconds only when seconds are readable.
6.32
